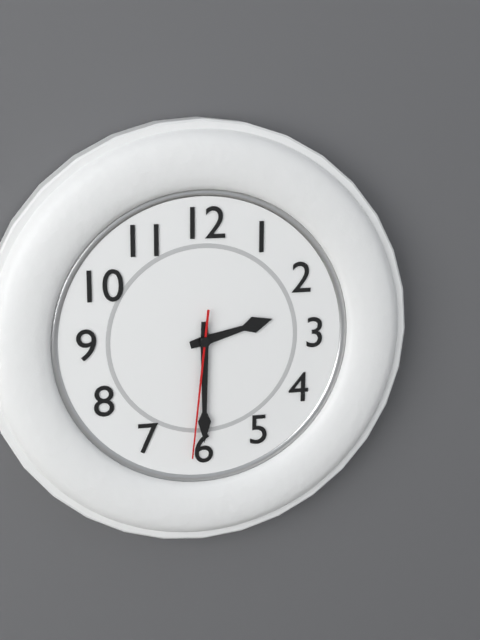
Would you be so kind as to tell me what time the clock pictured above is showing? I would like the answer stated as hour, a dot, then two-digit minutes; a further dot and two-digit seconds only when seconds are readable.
2.30.31
